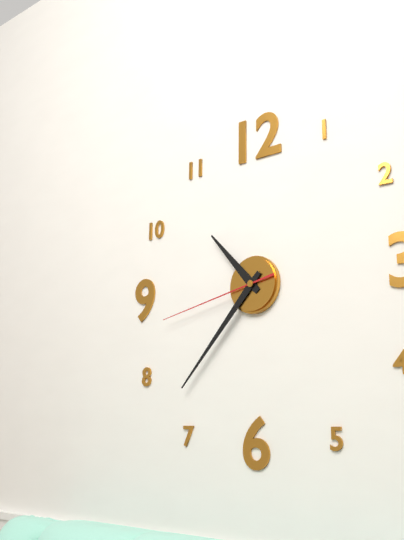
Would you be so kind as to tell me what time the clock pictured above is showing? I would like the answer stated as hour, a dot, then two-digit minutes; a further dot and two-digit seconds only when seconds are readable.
10.37.43
